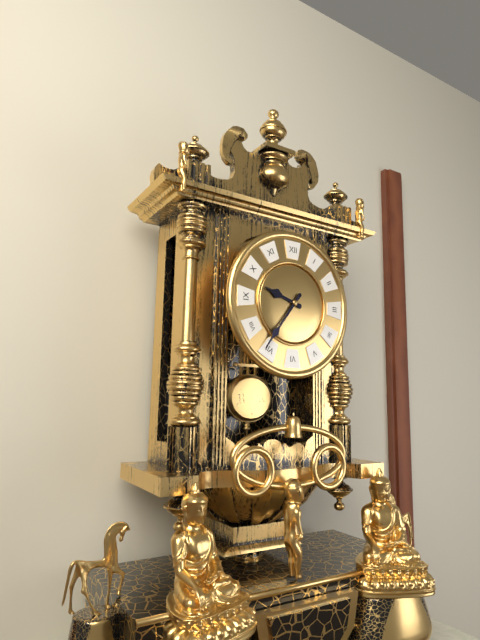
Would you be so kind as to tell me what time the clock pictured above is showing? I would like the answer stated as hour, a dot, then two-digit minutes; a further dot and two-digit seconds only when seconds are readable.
9.36
